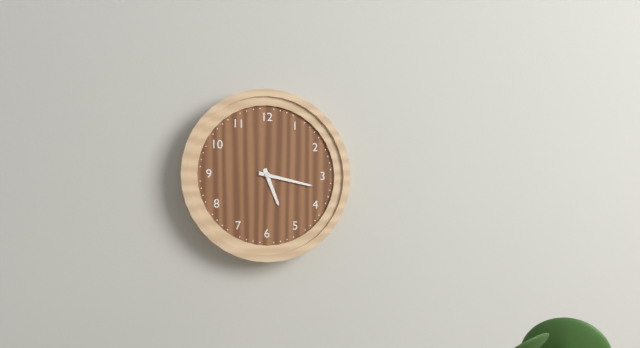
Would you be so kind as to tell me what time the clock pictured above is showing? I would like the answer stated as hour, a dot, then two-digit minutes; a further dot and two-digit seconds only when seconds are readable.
5.17
